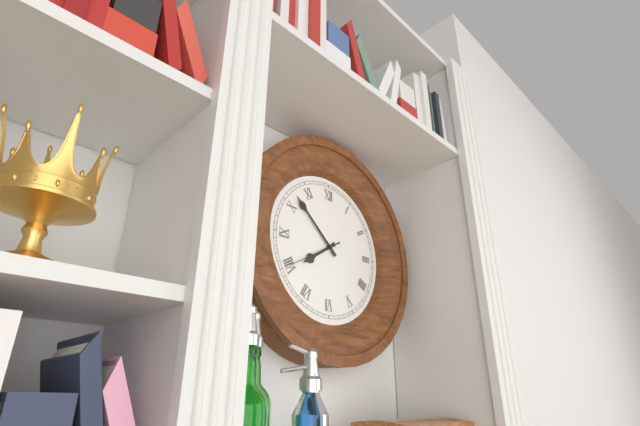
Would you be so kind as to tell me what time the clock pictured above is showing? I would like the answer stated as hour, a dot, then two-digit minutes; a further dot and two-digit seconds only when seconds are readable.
7.52.40
